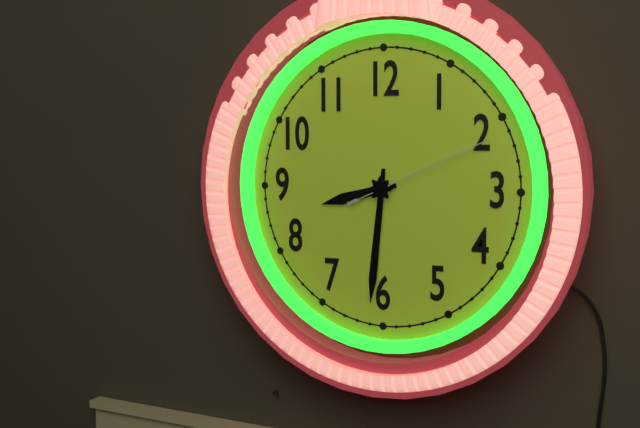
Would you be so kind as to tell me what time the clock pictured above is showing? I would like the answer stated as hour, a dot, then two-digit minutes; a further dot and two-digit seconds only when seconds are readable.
8.31.11
